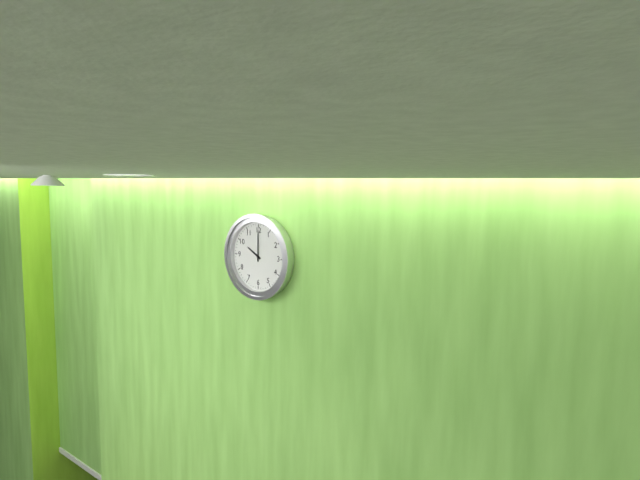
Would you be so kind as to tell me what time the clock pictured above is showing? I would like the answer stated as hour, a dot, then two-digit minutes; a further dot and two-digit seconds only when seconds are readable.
10.00
